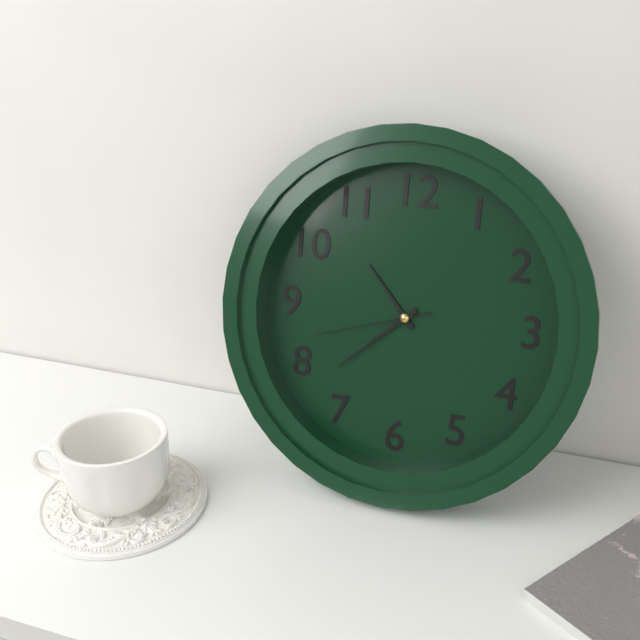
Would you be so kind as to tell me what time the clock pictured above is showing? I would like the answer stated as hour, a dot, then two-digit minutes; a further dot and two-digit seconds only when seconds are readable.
10.38.42
